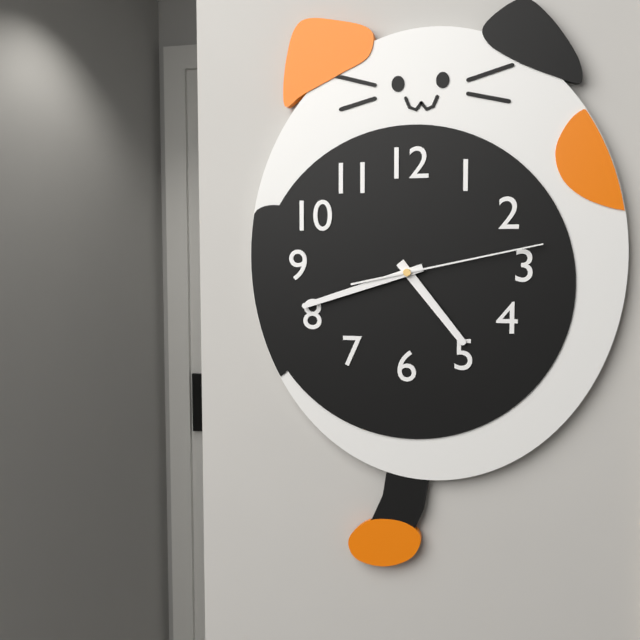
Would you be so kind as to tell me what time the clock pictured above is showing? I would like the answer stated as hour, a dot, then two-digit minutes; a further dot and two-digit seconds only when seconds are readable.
4.42.13
